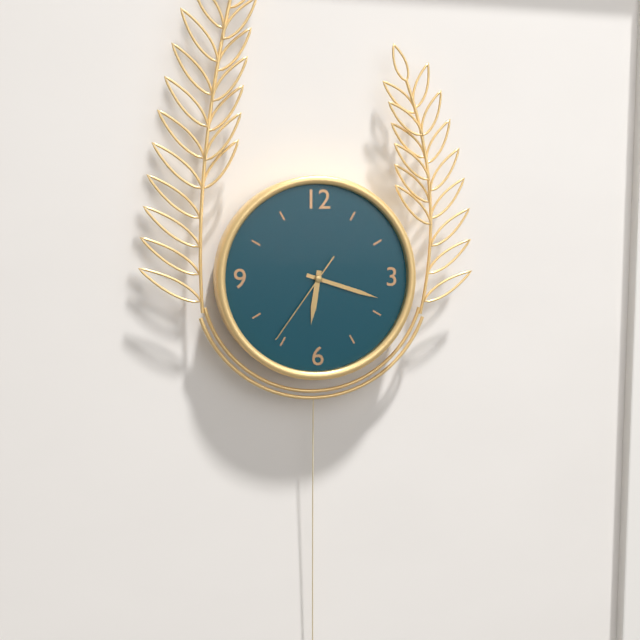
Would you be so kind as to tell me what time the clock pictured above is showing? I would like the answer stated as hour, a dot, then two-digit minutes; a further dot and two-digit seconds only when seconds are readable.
6.18.36
